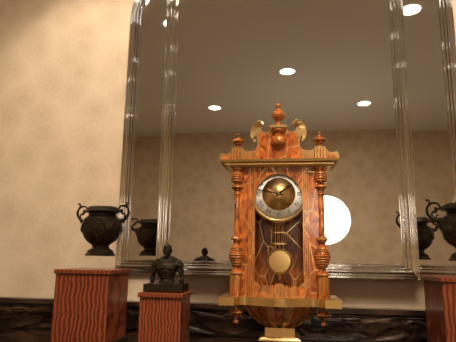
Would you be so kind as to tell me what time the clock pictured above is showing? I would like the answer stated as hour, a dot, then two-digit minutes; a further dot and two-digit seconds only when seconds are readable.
1.47
